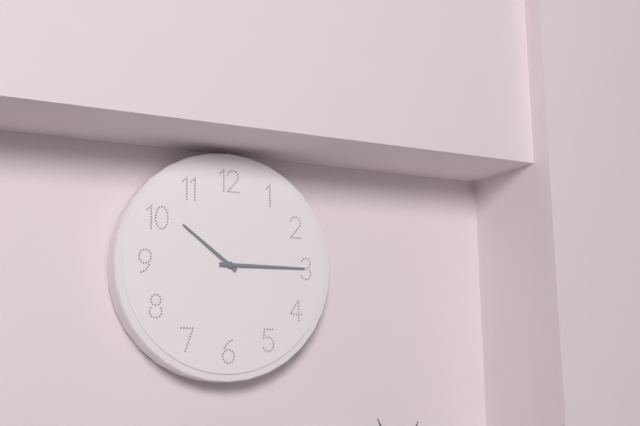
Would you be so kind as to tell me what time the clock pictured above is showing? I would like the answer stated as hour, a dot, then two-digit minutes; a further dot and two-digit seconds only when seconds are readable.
10.15
